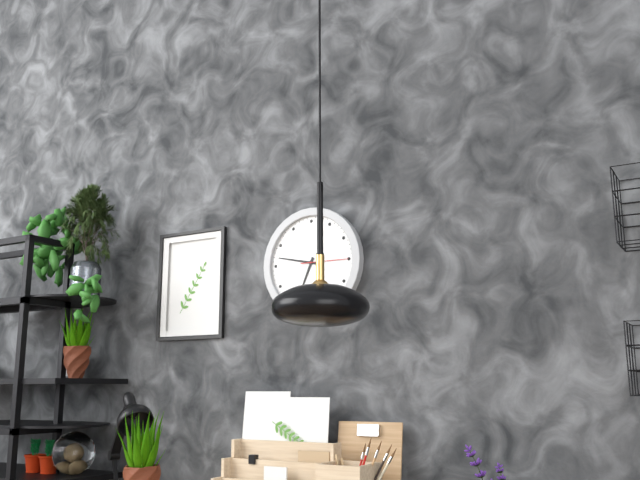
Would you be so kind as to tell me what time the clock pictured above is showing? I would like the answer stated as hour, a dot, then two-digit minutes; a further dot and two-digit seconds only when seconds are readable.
6.47
